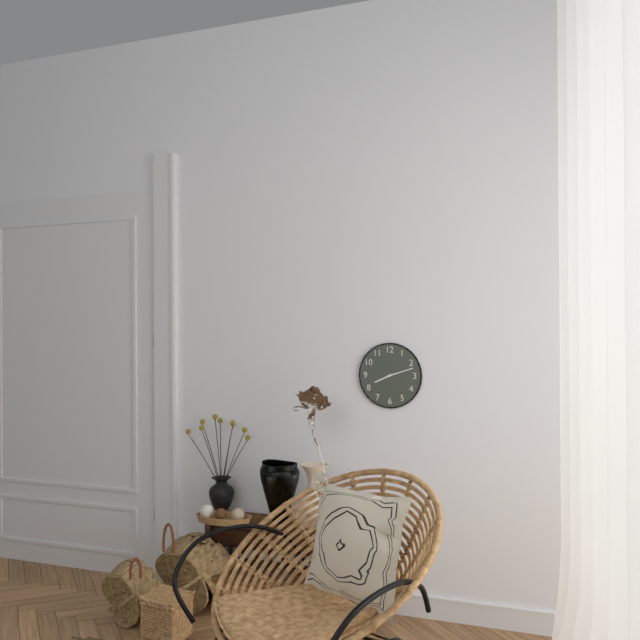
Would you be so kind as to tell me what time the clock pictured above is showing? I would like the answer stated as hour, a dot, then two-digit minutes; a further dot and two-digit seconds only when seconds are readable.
8.12
